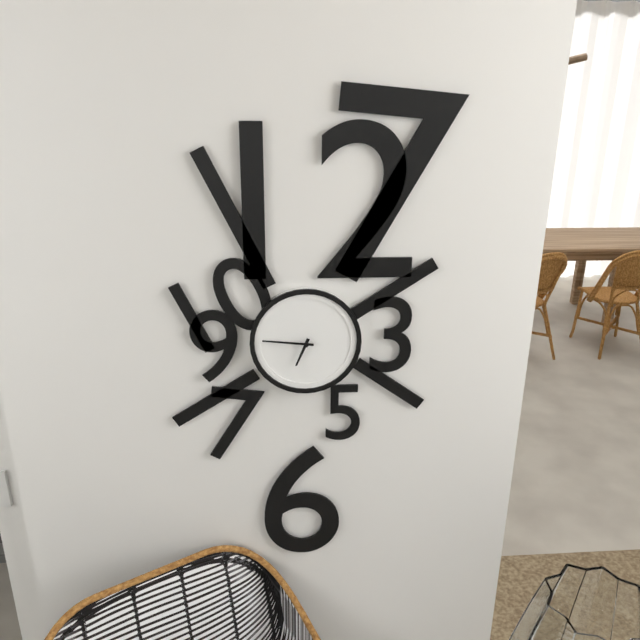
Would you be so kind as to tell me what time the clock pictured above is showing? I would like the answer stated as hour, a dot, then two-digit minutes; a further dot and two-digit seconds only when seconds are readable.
6.46
